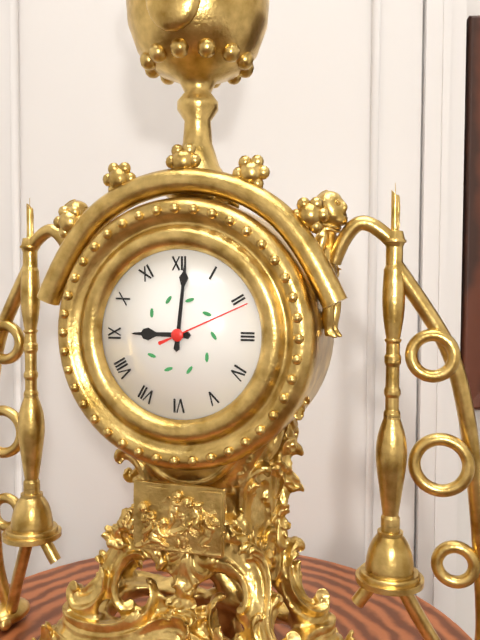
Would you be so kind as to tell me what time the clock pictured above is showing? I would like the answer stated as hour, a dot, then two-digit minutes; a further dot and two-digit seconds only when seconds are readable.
9.01.11
